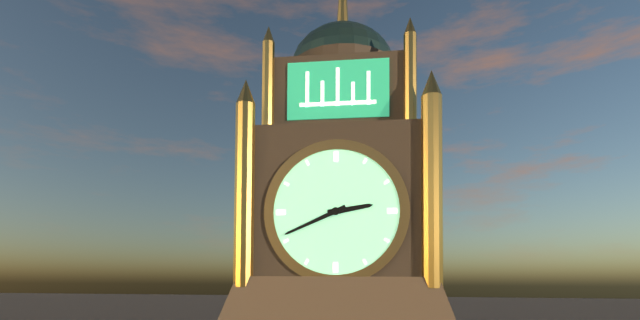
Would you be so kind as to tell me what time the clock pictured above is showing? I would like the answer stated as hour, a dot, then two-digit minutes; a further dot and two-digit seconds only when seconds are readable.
2.41
